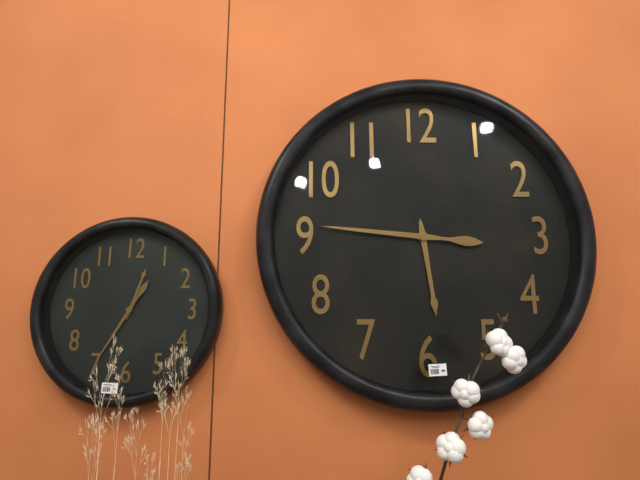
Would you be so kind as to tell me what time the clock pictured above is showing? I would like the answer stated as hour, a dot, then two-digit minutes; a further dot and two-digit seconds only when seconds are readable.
5.46
